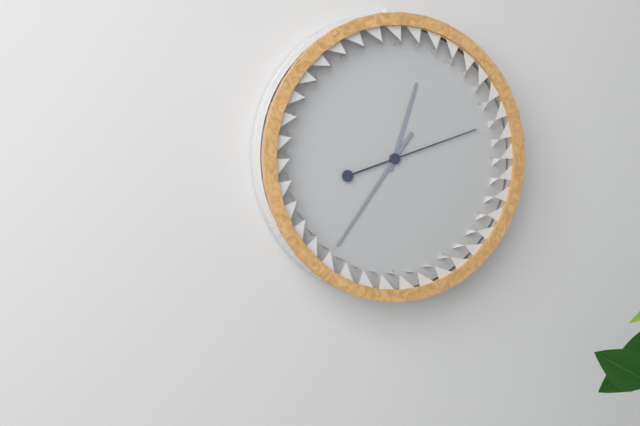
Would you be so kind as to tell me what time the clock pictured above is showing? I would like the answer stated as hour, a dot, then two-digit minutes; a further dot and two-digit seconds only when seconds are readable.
12.36.12
